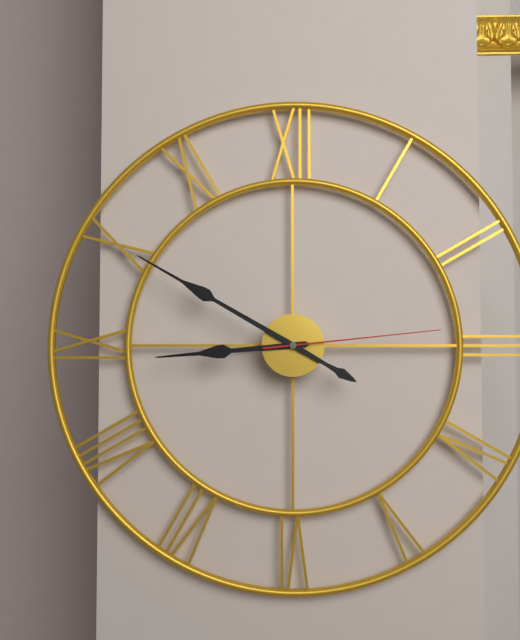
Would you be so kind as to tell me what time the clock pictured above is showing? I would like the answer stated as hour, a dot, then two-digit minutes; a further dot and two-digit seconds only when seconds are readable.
8.50.14
